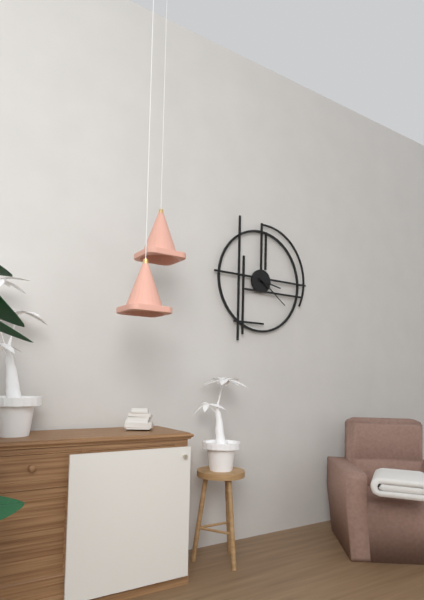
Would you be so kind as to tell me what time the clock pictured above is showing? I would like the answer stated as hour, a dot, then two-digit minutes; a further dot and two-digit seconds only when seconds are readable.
3.21
